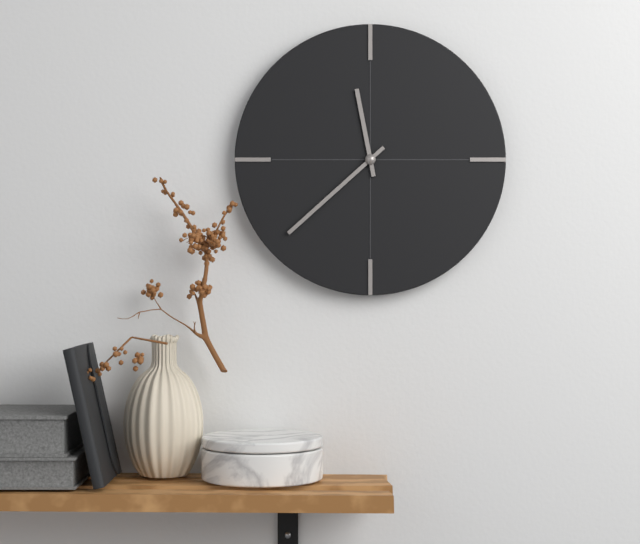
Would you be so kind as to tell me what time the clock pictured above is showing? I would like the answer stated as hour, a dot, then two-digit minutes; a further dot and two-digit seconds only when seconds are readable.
11.38
